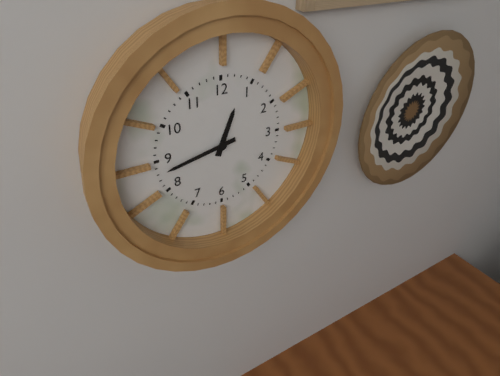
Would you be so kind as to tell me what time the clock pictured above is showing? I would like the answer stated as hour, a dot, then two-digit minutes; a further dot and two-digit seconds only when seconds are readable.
12.43
